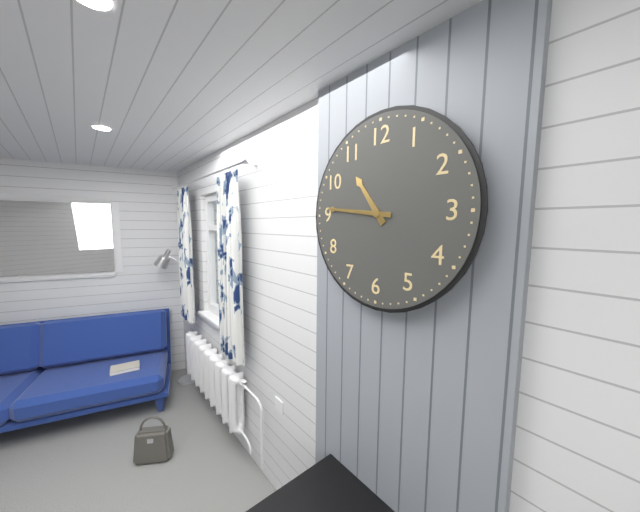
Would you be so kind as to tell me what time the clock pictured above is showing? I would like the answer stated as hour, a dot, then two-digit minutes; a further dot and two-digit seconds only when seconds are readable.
10.46
